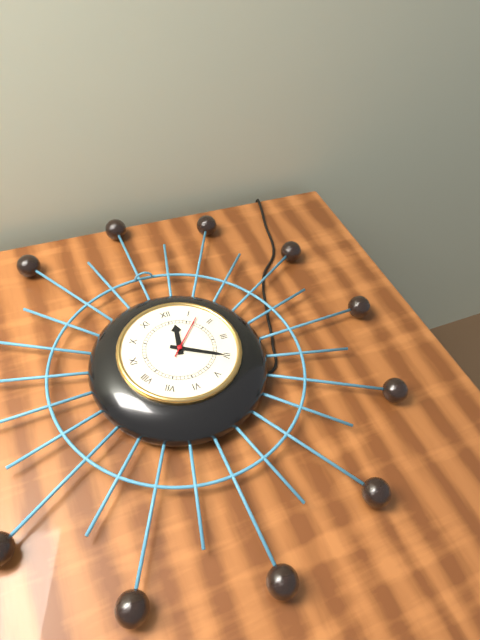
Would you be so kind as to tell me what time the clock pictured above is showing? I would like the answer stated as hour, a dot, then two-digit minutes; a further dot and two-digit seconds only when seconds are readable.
12.20
